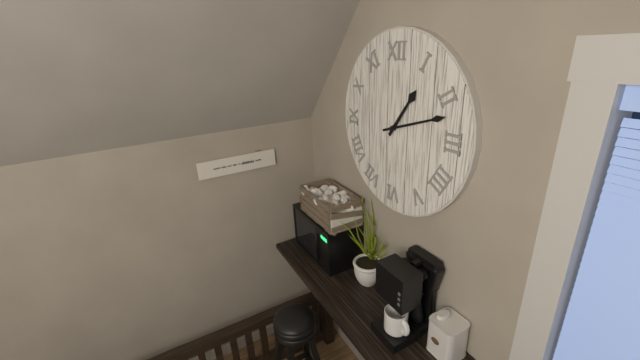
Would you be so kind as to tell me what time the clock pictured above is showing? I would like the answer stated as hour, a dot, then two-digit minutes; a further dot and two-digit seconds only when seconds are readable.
1.12
